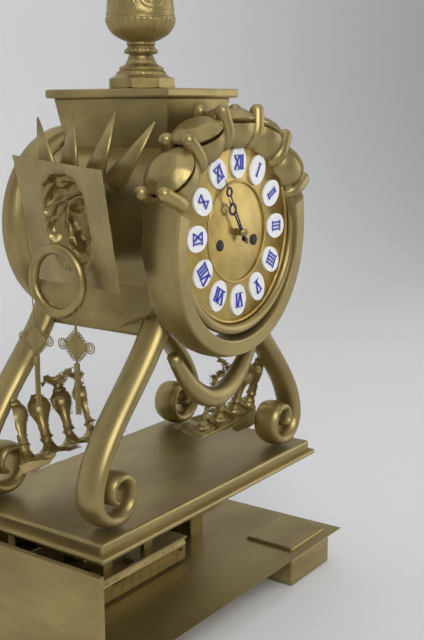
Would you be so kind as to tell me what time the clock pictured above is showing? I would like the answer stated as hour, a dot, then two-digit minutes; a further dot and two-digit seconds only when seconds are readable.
10.55
